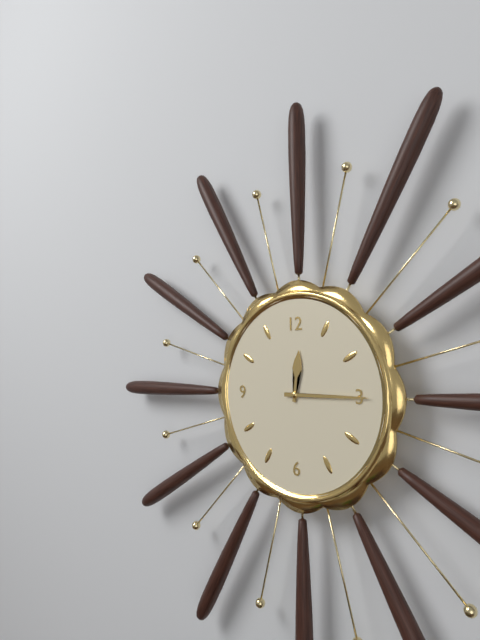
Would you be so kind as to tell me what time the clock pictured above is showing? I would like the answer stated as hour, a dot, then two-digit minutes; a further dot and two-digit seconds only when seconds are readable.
12.15
